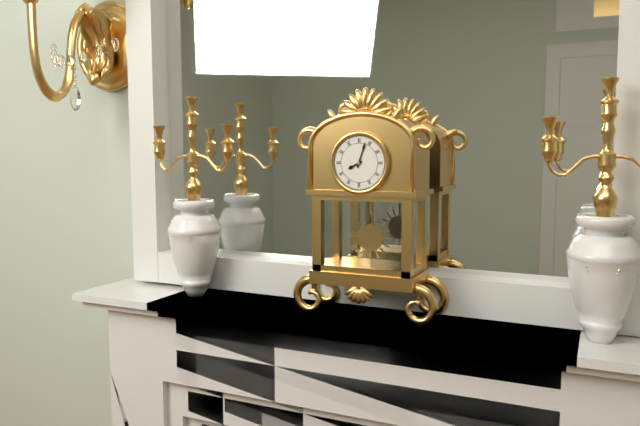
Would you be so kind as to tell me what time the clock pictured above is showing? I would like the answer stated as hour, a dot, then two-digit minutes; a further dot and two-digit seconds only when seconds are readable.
8.03
